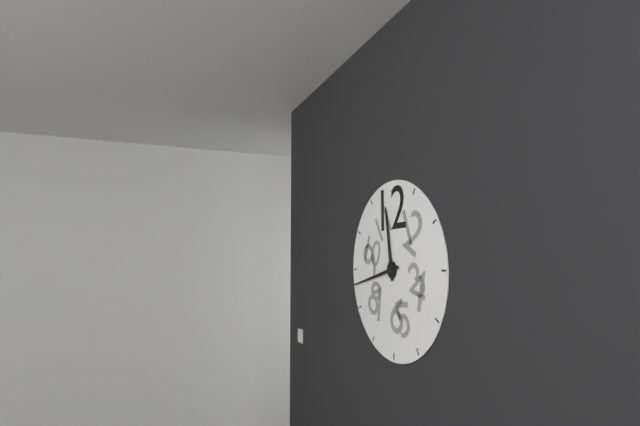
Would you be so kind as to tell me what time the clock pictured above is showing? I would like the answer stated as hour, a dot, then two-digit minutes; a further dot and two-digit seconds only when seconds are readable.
11.43
